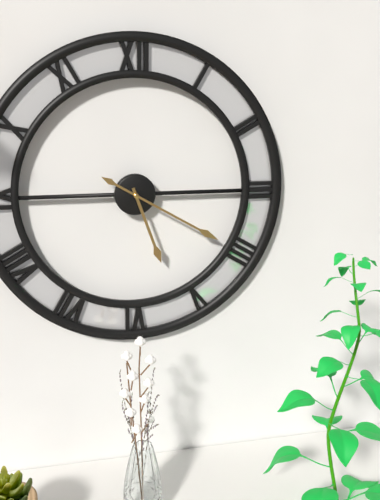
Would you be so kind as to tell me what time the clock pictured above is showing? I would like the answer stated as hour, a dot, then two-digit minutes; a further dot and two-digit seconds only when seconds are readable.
5.20
